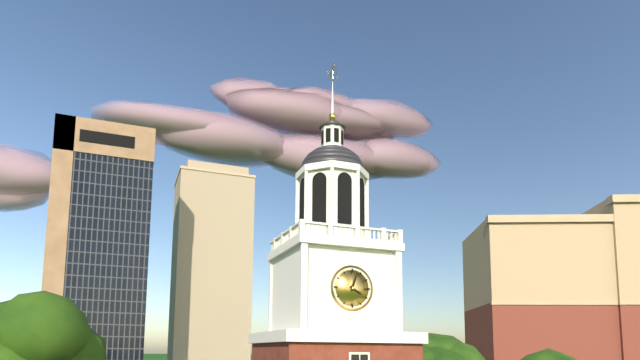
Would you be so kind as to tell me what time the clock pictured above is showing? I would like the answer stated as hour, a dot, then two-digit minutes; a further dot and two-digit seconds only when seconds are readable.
4.03
